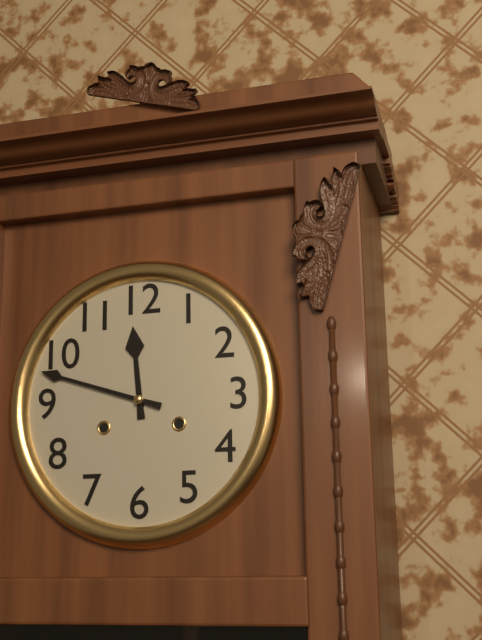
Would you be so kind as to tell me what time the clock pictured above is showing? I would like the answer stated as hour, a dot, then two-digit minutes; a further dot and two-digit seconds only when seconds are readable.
11.48
